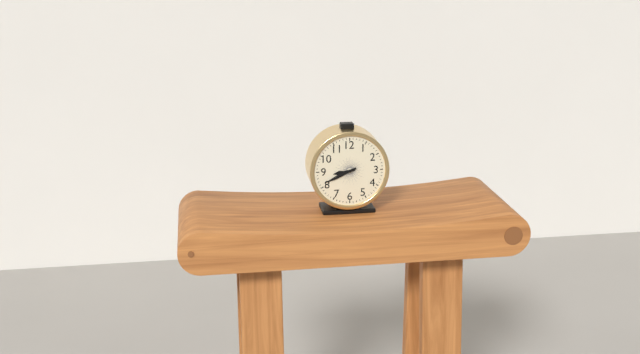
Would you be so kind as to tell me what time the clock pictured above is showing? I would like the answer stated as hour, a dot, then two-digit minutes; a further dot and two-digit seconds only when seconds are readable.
8.41
